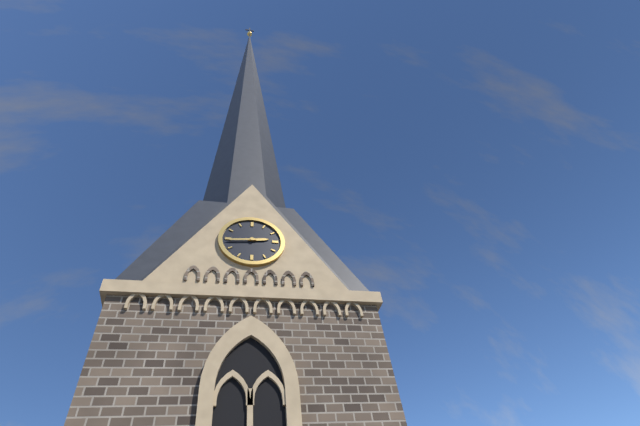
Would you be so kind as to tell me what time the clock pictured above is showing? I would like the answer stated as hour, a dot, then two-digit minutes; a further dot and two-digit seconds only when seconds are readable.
2.44
